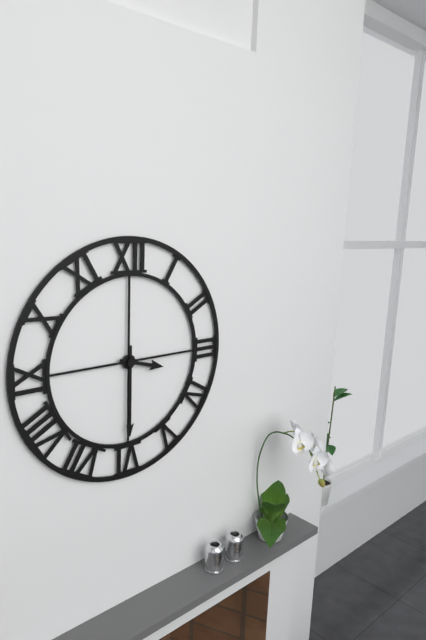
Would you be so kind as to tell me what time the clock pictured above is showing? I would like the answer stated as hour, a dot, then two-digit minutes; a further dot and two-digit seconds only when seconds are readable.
3.30
